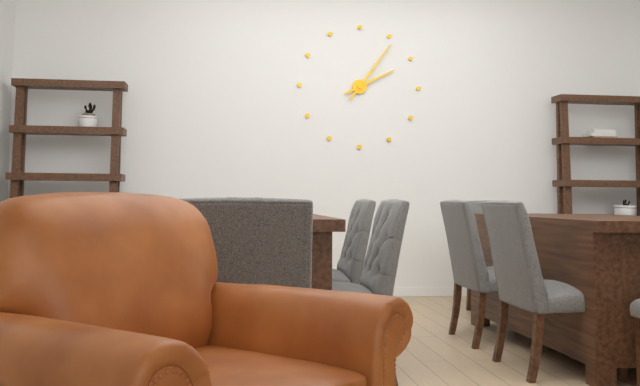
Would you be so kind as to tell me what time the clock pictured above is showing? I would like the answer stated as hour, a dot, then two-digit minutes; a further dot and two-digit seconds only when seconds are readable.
2.06
